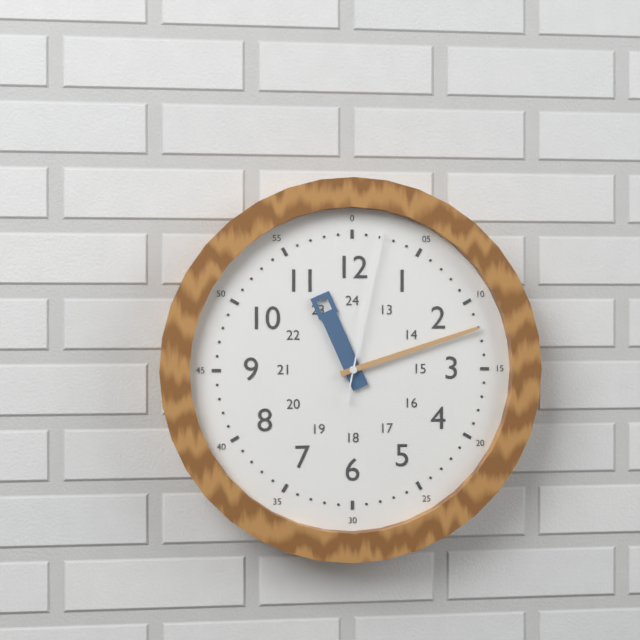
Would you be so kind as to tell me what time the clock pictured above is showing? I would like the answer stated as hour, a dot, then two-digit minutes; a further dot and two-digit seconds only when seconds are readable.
11.12.02
